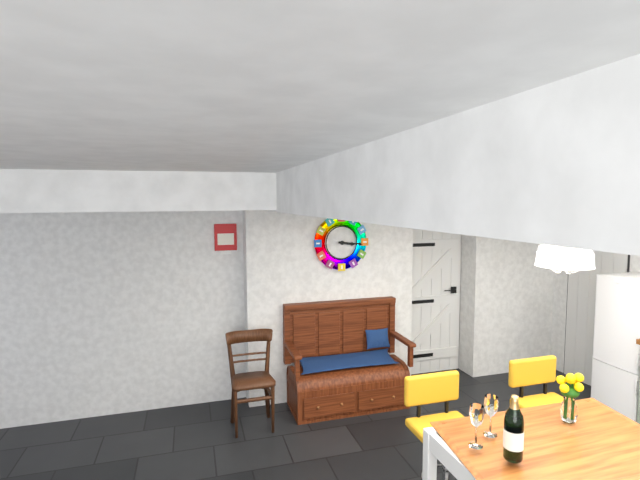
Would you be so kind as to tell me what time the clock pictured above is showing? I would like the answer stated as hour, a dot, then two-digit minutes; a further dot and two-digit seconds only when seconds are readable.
3.16
